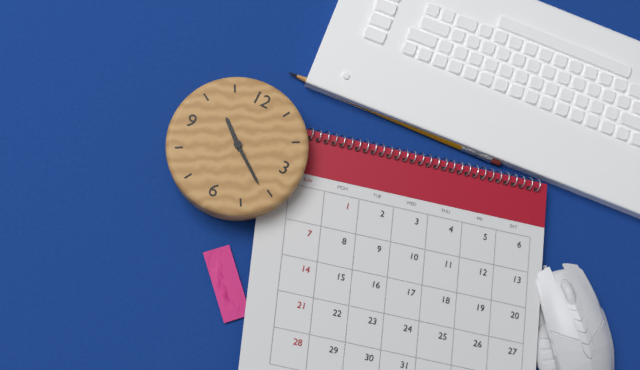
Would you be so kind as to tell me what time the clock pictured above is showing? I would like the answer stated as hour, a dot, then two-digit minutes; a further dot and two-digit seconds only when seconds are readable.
10.21
